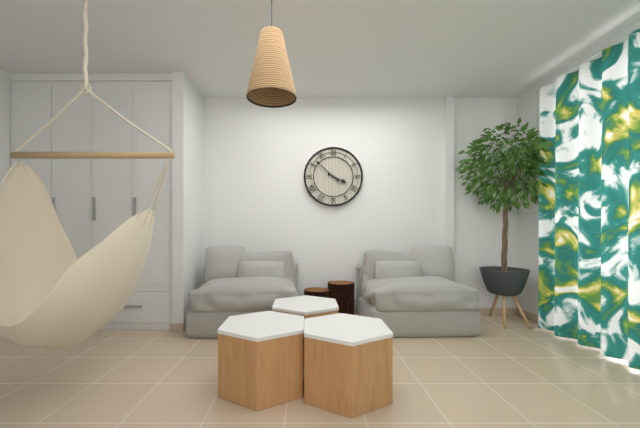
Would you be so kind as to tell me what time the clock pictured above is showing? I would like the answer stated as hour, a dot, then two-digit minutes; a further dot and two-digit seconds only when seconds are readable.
3.52
